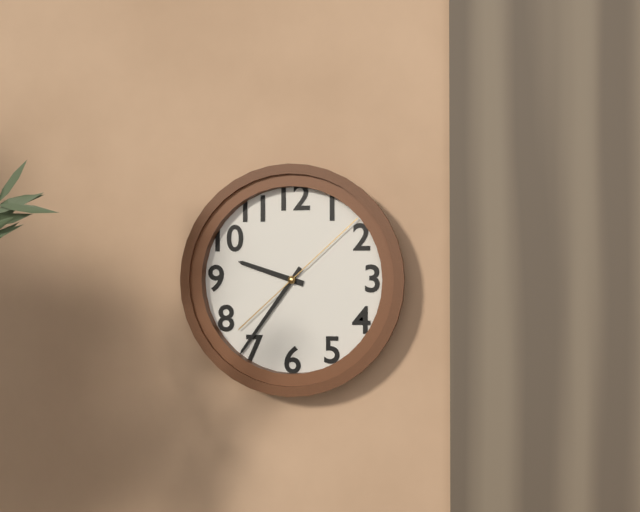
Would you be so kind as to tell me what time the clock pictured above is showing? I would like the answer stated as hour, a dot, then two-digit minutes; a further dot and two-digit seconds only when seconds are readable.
9.36.08
